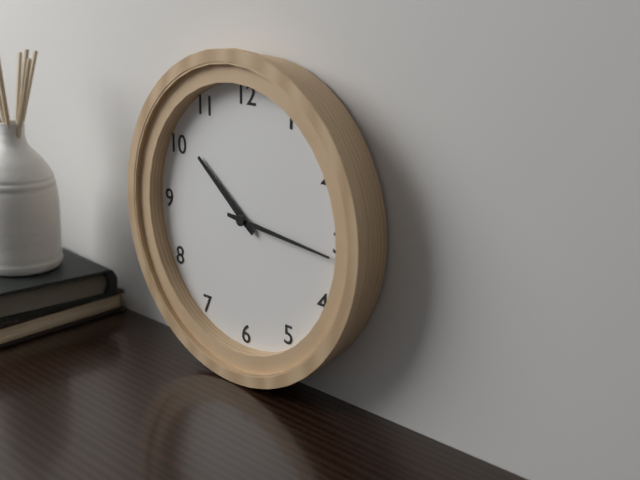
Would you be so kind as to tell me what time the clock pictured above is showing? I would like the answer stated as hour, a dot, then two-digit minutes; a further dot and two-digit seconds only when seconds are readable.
10.16
